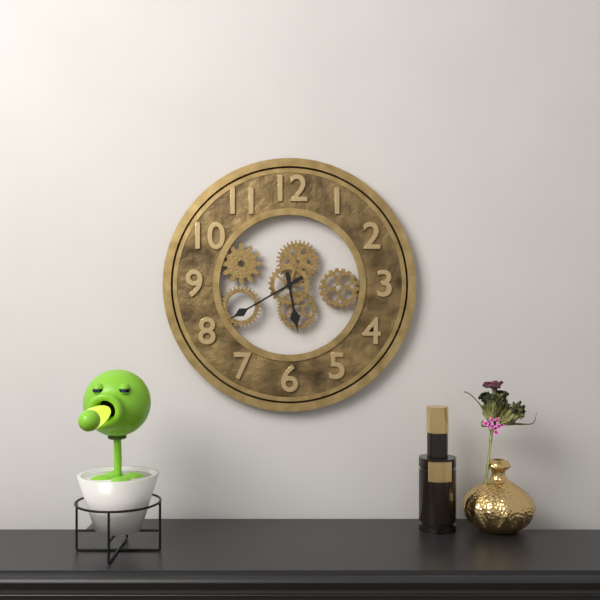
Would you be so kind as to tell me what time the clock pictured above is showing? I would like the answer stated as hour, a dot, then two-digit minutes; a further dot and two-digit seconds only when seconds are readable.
5.40
